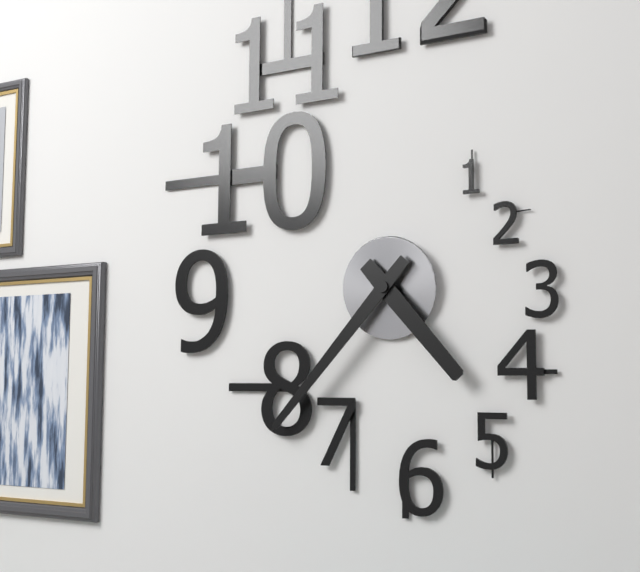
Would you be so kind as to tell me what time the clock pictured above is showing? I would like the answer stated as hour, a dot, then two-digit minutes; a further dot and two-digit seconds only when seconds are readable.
4.37
